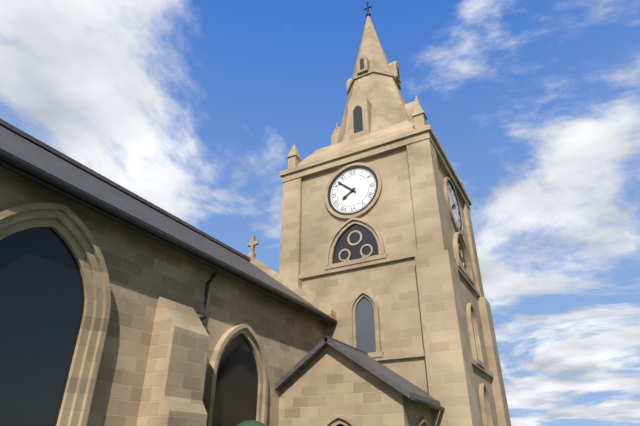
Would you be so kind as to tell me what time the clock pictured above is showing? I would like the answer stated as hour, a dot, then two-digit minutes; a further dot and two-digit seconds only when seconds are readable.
7.52
